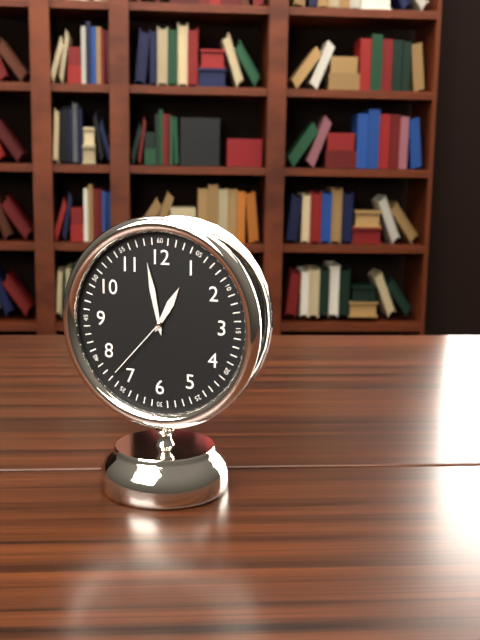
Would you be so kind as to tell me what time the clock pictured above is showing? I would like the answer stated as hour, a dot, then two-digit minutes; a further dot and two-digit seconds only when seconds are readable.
12.58.37
